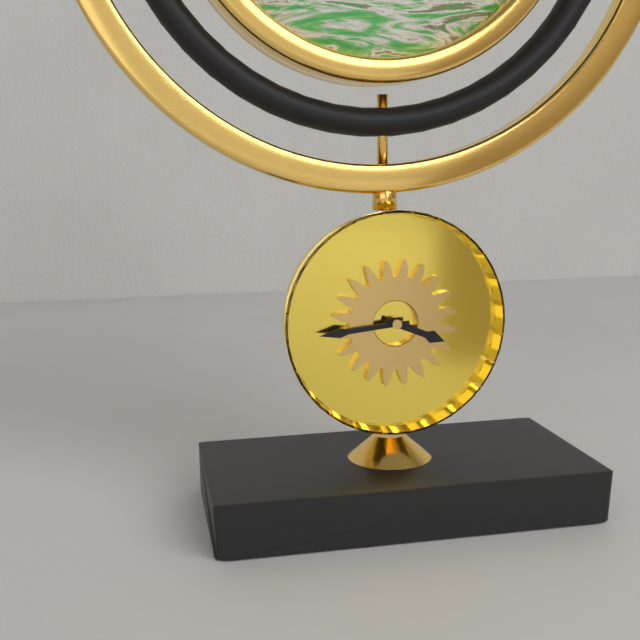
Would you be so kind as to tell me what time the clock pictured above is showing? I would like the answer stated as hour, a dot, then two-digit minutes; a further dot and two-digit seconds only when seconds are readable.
3.44
